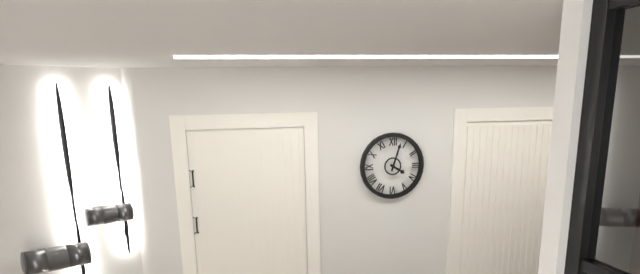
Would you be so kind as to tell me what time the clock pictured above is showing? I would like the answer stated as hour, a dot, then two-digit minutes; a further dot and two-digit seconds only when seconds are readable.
4.03
